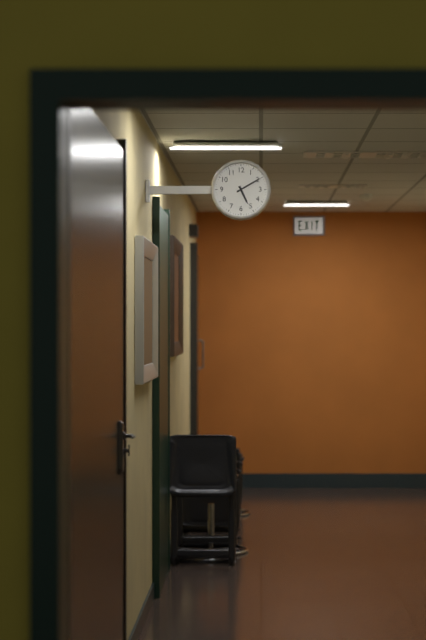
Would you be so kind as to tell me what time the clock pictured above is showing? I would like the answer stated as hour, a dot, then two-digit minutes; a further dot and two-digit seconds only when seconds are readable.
5.10
